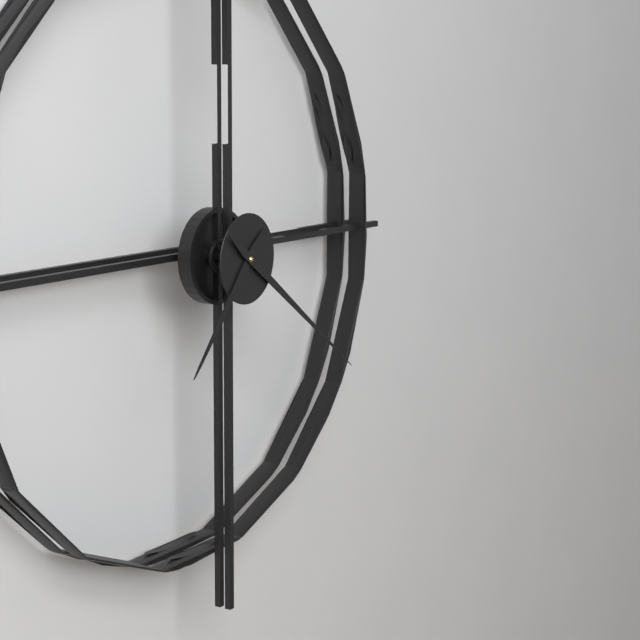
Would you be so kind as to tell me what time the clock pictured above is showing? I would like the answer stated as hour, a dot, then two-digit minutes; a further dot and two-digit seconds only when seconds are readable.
7.21
